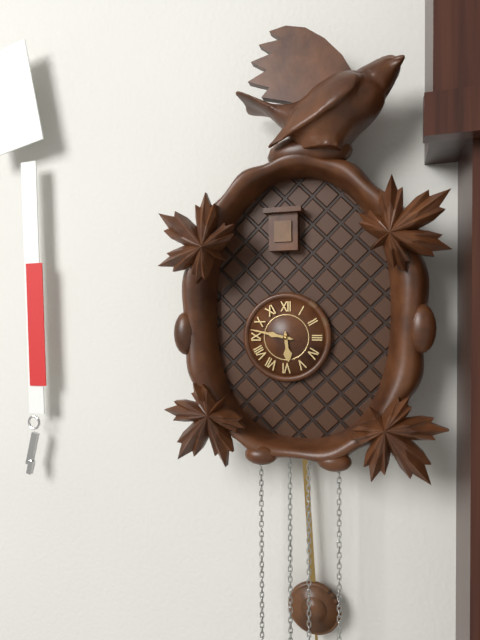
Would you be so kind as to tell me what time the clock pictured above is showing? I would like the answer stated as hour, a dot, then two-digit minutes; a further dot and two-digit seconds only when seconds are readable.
5.47
